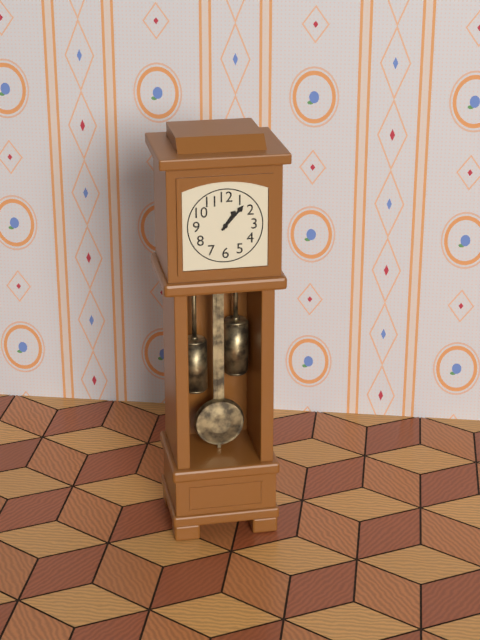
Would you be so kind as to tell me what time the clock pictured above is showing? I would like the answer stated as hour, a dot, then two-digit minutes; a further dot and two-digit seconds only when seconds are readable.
1.07
